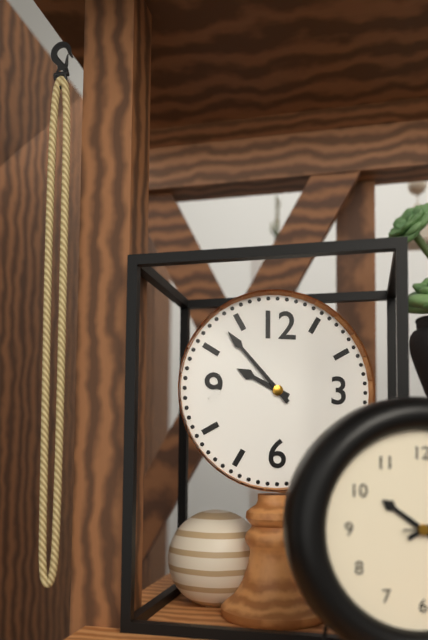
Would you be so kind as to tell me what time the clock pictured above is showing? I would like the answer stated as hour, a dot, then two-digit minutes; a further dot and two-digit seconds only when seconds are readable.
9.53
